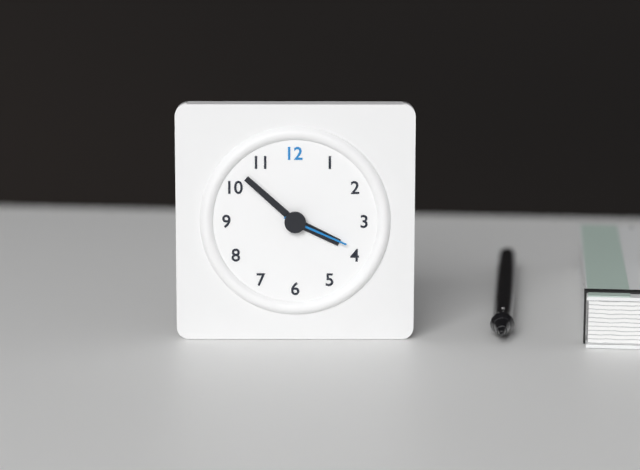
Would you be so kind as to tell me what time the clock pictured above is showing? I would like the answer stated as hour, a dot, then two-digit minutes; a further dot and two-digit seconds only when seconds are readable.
3.52.19
